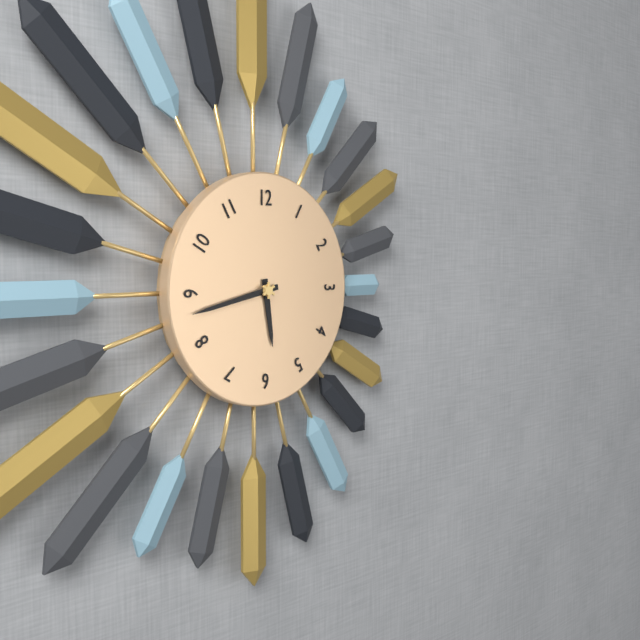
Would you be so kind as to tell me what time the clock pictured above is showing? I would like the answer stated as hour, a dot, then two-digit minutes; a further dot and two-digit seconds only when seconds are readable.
5.43
